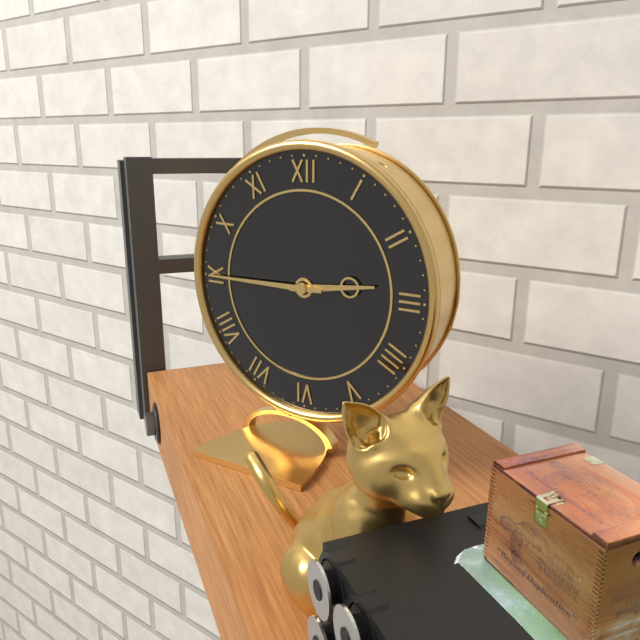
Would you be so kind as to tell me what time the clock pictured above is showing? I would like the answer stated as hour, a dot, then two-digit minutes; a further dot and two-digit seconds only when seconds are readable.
2.45
